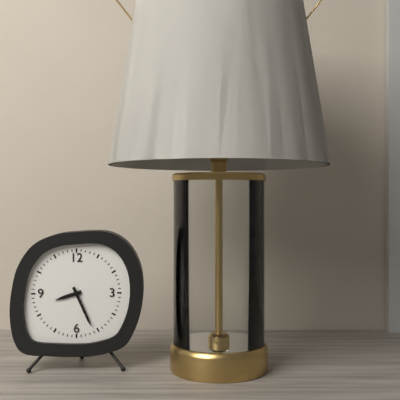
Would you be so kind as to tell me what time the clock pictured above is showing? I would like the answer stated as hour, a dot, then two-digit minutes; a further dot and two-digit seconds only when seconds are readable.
8.26
